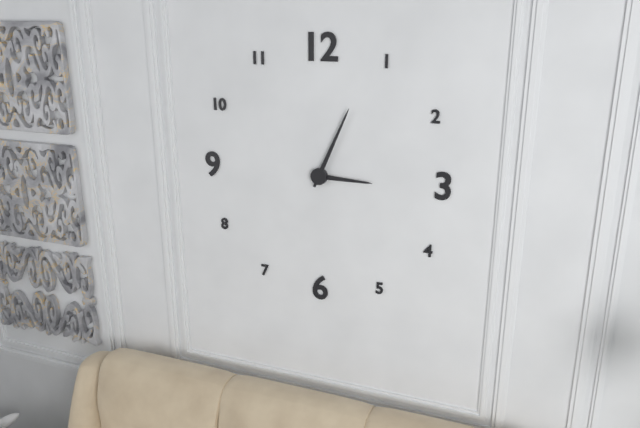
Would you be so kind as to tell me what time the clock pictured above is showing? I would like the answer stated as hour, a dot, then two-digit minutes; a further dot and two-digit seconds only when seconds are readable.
3.04
